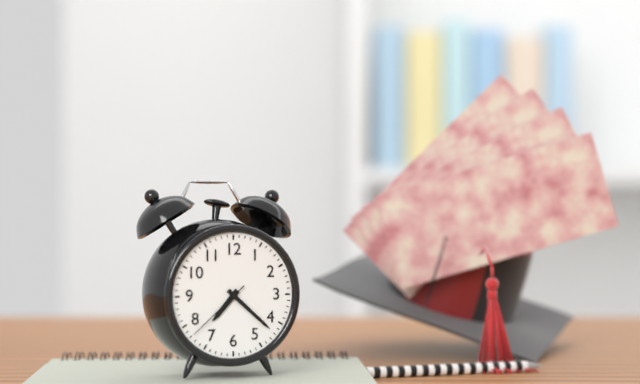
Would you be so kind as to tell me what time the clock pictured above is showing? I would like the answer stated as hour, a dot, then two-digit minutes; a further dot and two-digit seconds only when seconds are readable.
7.22.38
